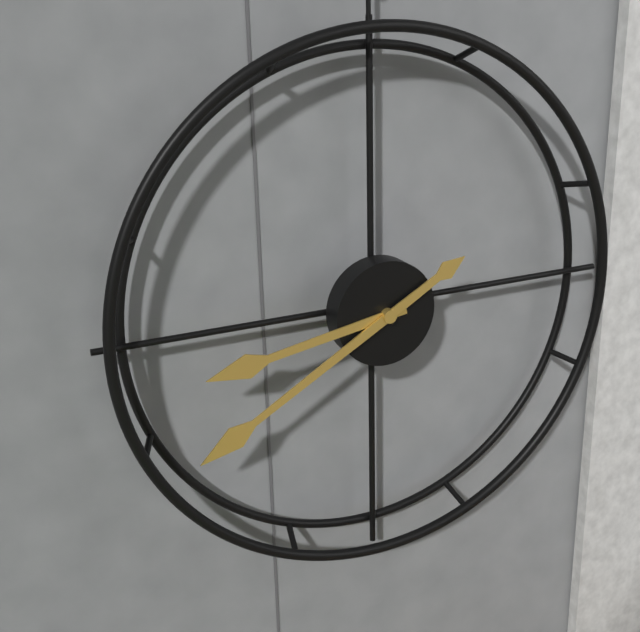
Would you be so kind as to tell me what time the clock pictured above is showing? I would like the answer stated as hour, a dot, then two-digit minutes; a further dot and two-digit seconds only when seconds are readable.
8.40
